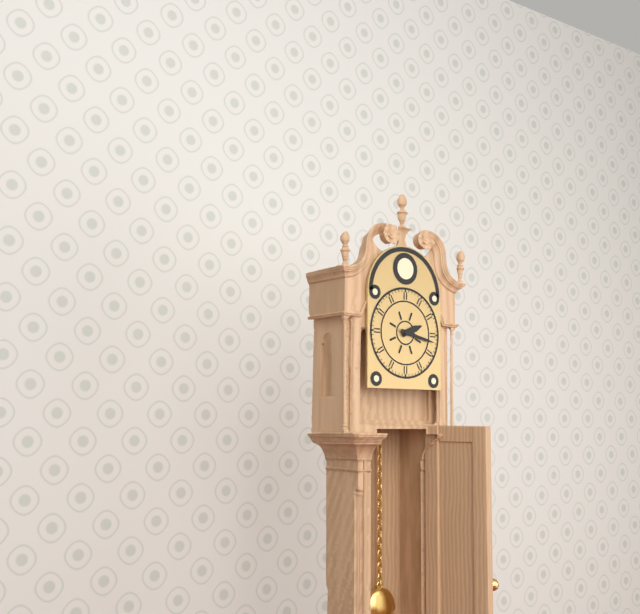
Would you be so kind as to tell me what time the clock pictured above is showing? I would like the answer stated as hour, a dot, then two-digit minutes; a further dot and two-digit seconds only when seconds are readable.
2.17
